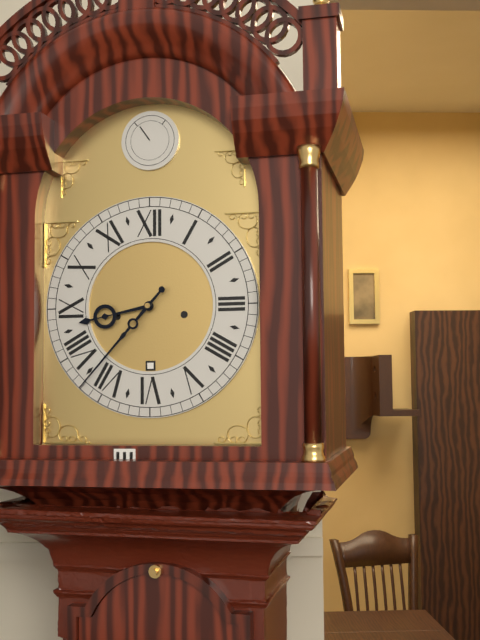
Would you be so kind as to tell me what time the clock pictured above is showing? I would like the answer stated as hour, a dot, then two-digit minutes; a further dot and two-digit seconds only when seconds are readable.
8.37
